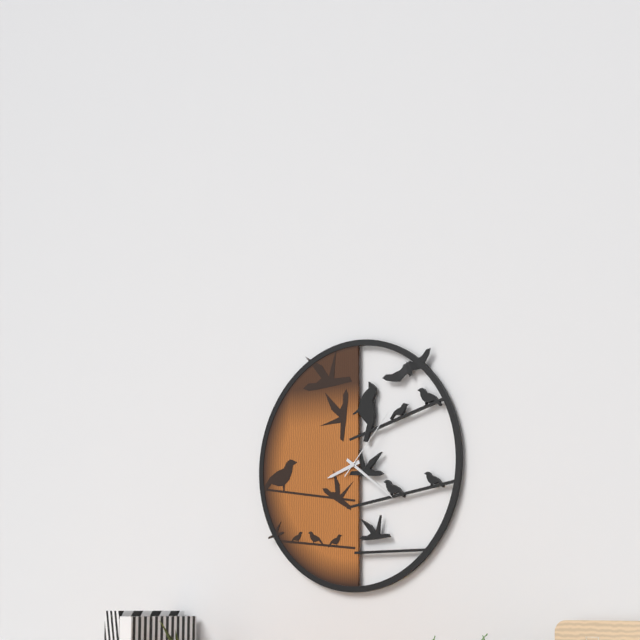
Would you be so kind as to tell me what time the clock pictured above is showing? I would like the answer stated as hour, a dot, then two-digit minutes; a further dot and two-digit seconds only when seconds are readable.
8.21.07
